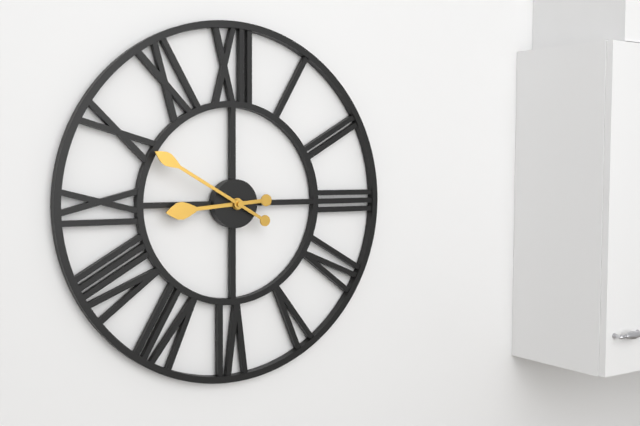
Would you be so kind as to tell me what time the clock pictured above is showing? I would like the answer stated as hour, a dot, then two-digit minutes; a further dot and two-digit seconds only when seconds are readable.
8.50
